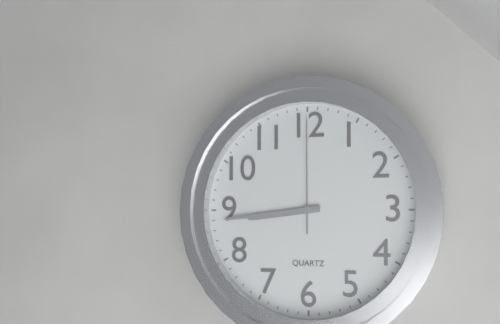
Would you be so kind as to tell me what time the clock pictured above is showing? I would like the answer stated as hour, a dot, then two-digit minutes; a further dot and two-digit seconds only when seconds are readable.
8.44.00
